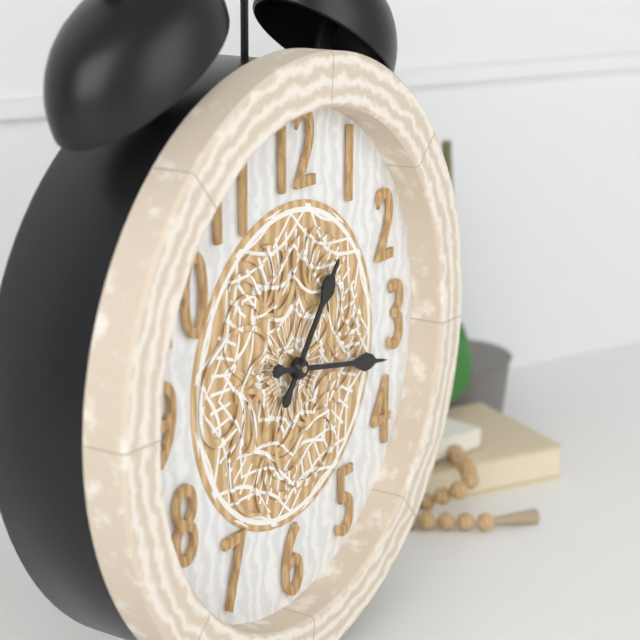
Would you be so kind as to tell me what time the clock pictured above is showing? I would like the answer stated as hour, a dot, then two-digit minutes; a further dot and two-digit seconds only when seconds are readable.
1.17
